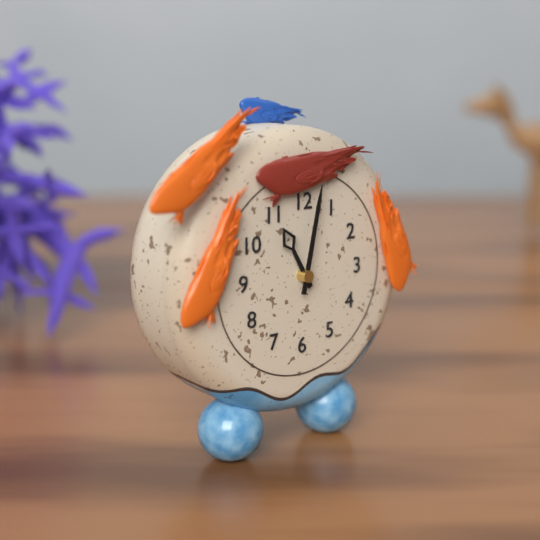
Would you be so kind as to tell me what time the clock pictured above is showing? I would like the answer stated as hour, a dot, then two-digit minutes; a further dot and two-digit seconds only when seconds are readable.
11.02
